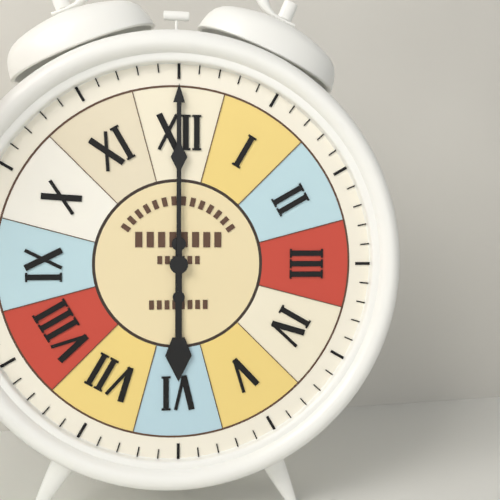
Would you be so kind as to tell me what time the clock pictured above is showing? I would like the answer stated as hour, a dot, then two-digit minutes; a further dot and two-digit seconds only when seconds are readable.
6.00
